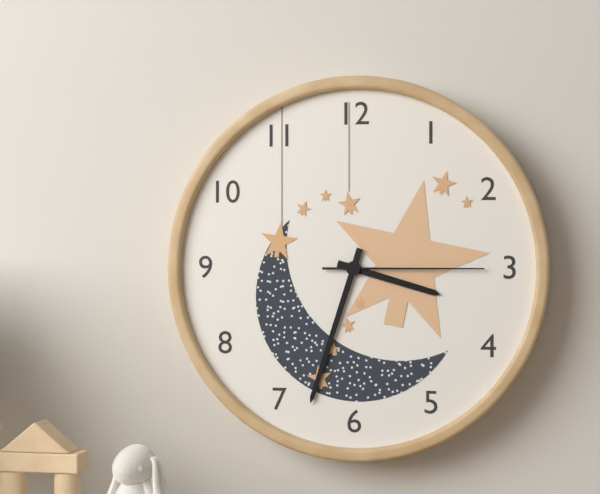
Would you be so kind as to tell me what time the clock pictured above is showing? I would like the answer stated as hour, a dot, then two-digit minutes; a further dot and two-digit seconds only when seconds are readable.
3.33.15
